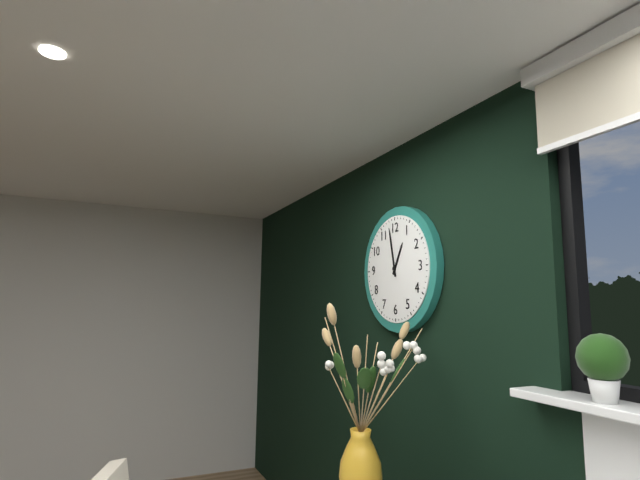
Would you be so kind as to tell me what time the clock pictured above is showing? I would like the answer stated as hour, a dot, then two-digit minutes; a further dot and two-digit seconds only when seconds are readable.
12.58
